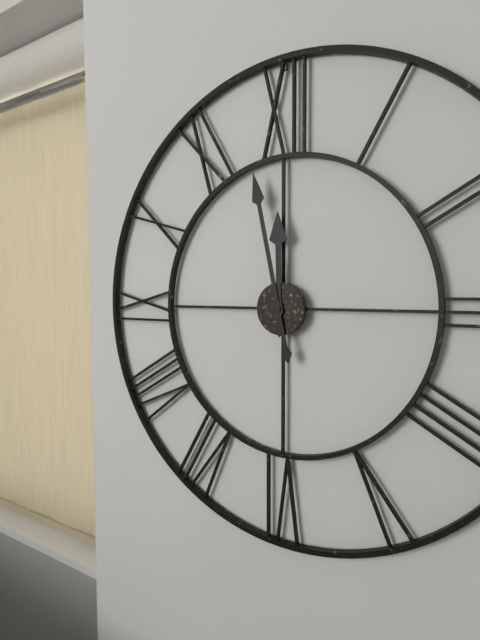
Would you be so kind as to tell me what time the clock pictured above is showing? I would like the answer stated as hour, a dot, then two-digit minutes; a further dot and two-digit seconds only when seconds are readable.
11.58
